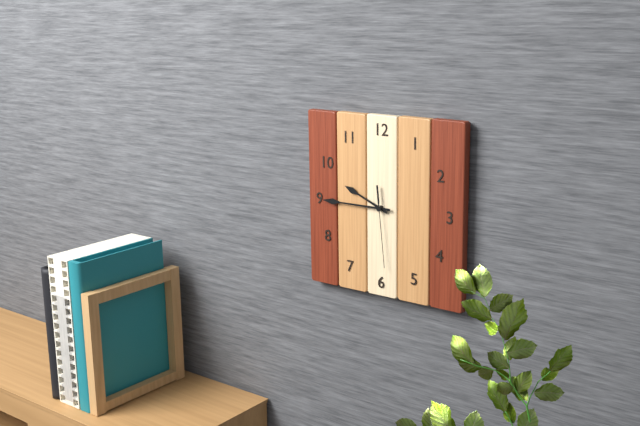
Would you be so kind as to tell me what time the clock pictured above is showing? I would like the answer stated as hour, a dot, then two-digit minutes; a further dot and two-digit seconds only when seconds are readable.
9.45.29
